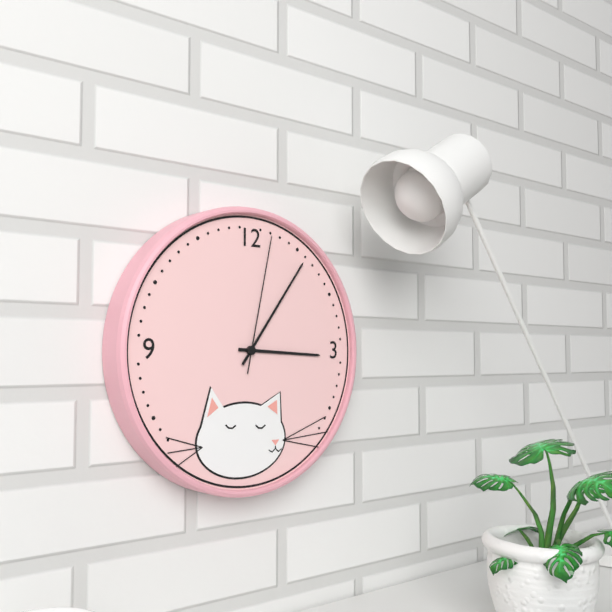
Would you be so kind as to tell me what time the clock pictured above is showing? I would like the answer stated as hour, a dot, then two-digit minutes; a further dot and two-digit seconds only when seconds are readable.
3.06.02
